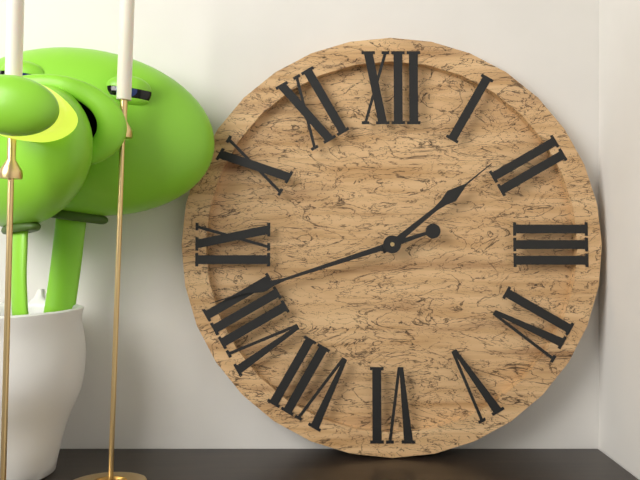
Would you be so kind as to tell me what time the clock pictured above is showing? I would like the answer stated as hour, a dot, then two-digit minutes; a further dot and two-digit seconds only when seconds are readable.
1.42
